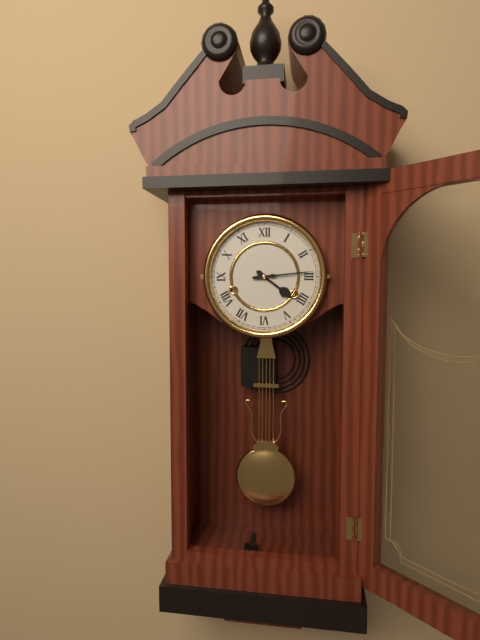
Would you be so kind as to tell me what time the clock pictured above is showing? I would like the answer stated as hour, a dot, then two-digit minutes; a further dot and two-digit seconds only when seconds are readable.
4.14
